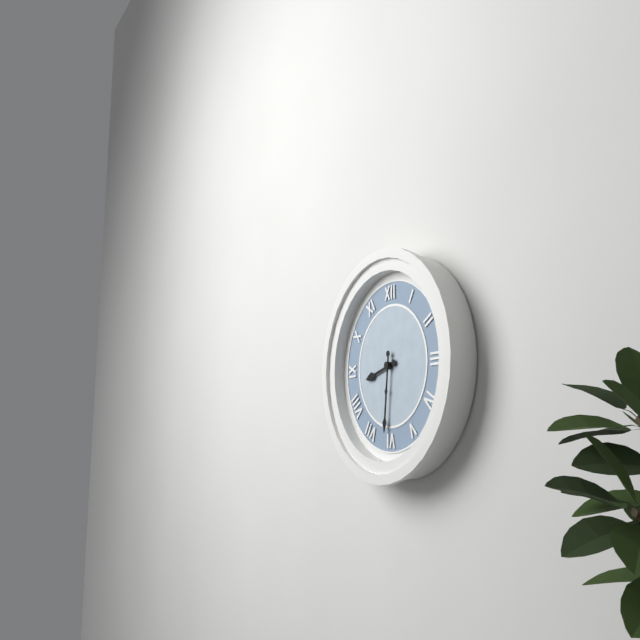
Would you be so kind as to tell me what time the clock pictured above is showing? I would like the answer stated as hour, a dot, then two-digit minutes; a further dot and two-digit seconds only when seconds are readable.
8.31
